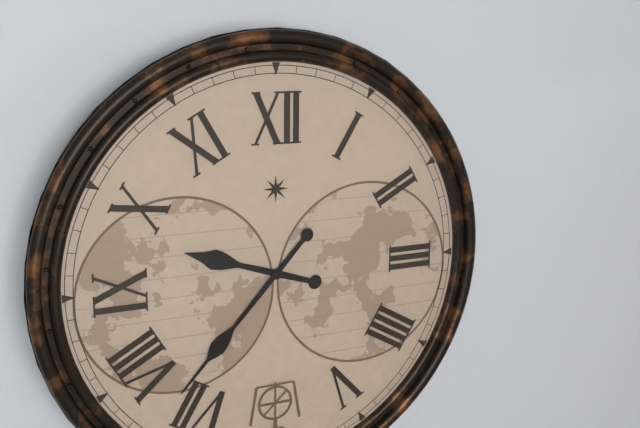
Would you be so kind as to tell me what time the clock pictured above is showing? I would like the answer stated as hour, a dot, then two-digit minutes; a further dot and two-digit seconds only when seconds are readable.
9.37
